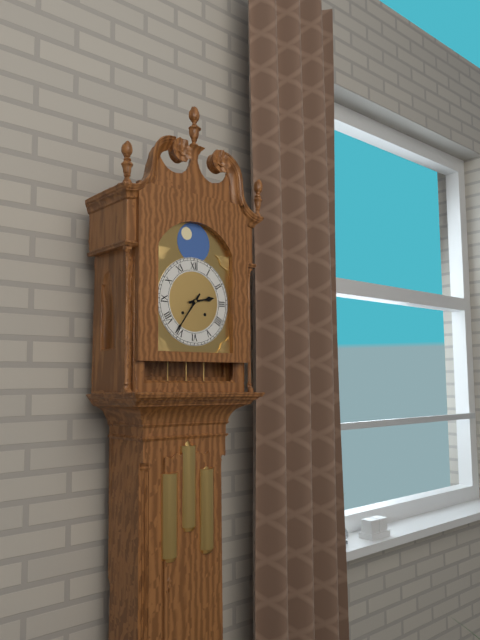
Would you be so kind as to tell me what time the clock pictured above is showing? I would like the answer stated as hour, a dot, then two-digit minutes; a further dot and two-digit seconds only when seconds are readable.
2.36
